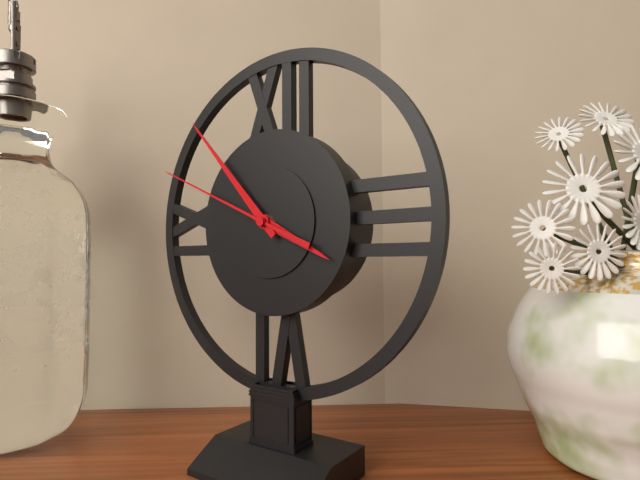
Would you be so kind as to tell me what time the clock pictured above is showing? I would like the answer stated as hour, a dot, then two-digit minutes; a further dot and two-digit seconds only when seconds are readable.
3.53.49
